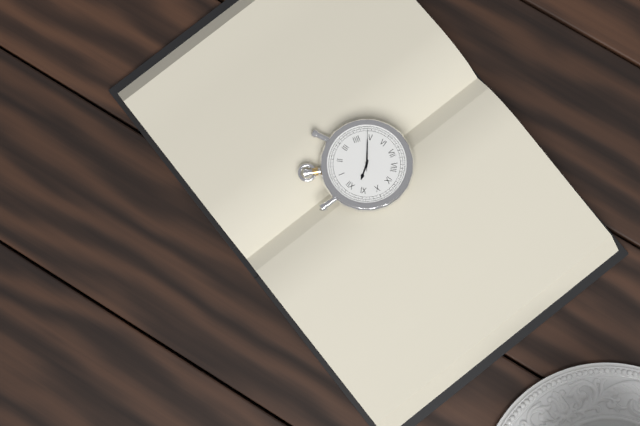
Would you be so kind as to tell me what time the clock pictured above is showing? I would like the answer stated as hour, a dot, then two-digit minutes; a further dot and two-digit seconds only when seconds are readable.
11.24
